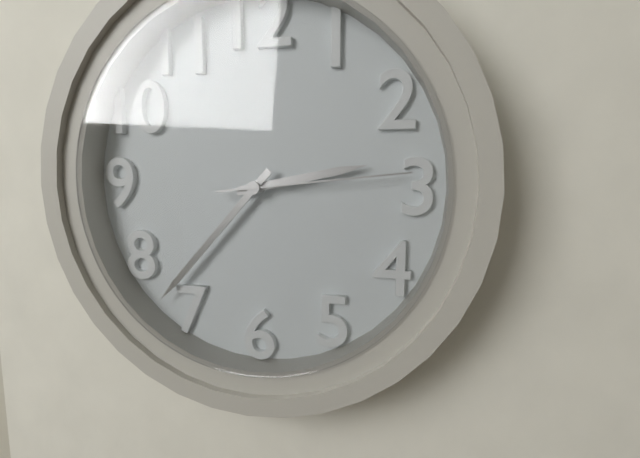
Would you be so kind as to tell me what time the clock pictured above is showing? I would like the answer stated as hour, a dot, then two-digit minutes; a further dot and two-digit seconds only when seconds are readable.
2.37.14
